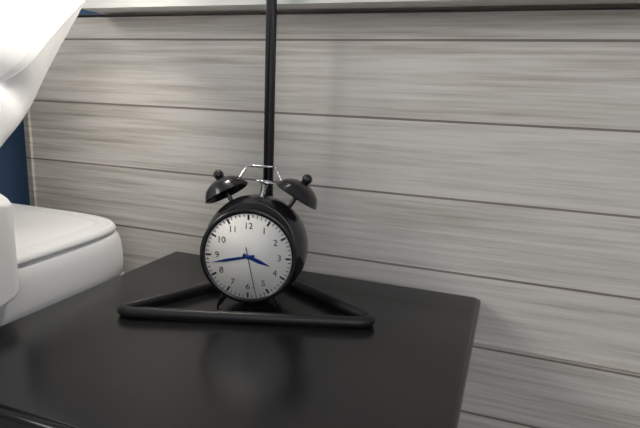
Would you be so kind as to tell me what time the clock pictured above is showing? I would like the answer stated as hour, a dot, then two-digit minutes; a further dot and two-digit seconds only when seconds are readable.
3.43
